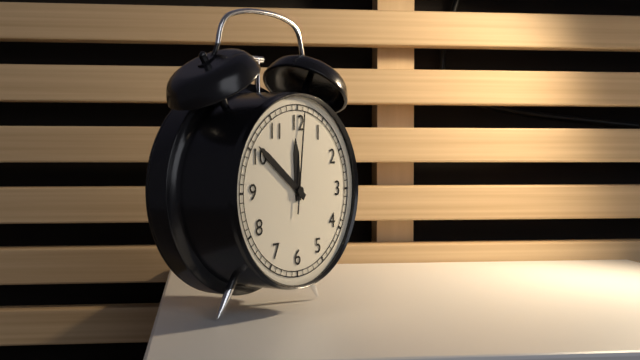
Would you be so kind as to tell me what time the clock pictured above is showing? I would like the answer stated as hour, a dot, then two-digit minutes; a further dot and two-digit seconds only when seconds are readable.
11.51.01
